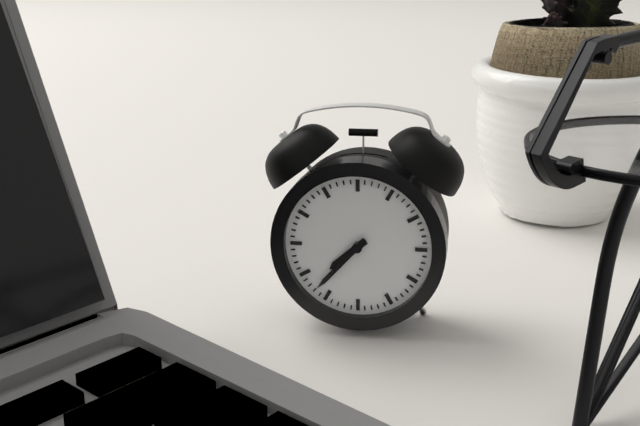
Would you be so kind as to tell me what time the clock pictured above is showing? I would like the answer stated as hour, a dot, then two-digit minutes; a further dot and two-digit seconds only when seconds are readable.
7.37
